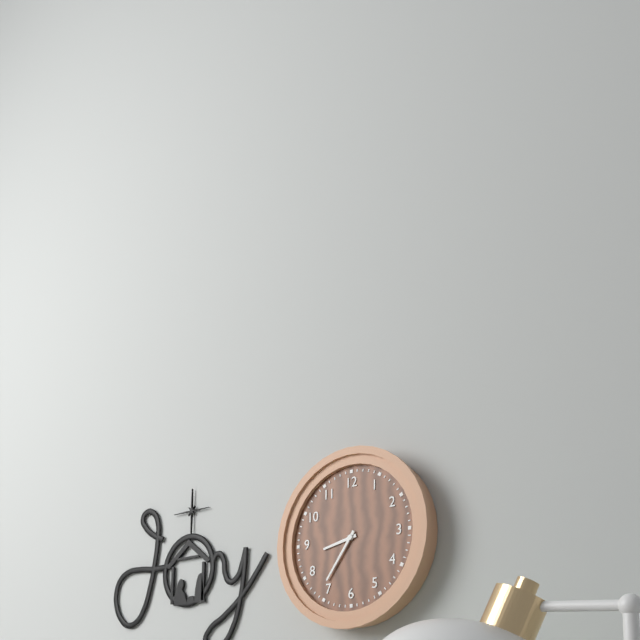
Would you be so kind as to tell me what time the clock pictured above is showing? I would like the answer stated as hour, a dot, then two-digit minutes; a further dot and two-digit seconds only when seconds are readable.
8.36
